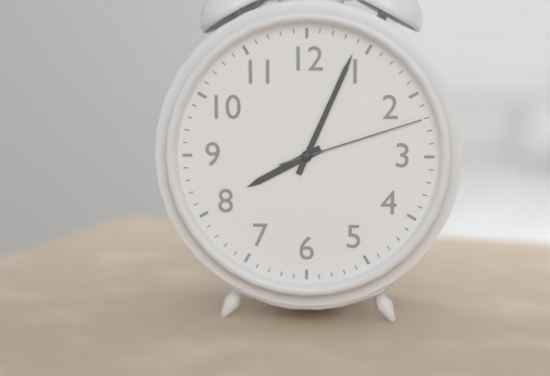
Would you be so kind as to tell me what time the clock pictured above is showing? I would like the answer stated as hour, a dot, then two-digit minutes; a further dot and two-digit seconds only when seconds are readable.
8.04.12
